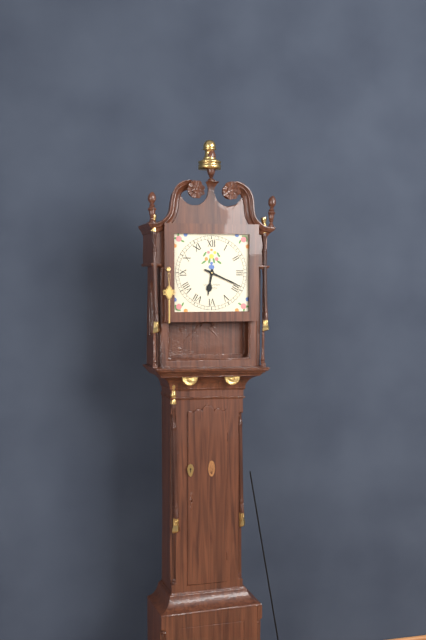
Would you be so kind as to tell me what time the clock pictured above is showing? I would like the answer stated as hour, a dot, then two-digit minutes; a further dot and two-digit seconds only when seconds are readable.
6.19
